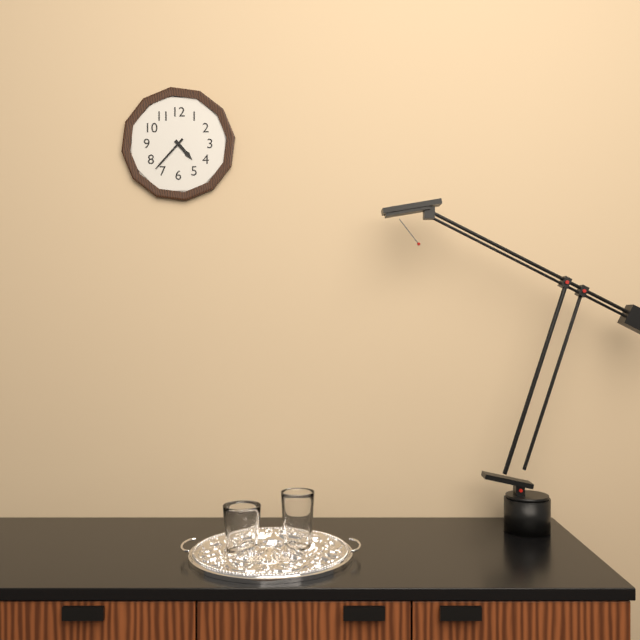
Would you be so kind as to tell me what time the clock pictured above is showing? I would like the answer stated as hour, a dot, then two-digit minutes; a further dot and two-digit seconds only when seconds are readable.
4.37
